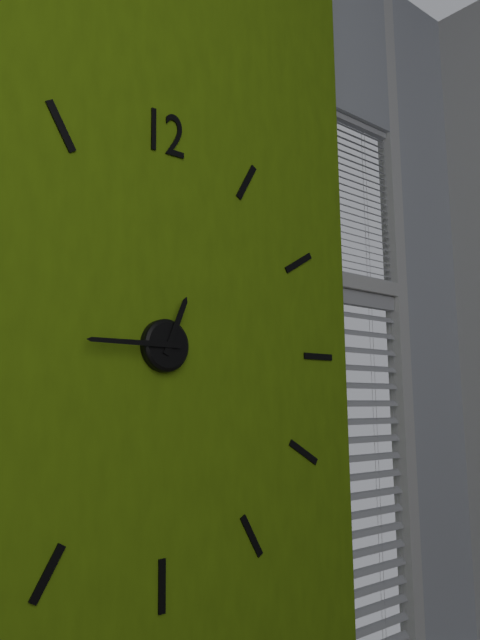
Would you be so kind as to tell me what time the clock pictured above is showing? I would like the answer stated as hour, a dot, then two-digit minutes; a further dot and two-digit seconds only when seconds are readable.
12.45
